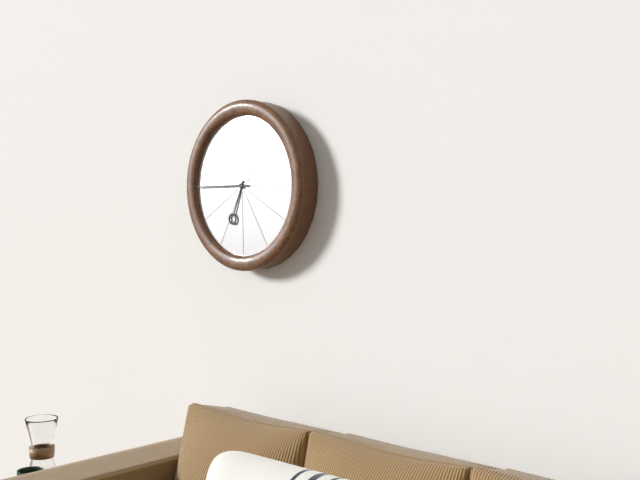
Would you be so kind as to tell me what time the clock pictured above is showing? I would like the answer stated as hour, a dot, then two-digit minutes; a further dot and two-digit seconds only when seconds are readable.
6.45
